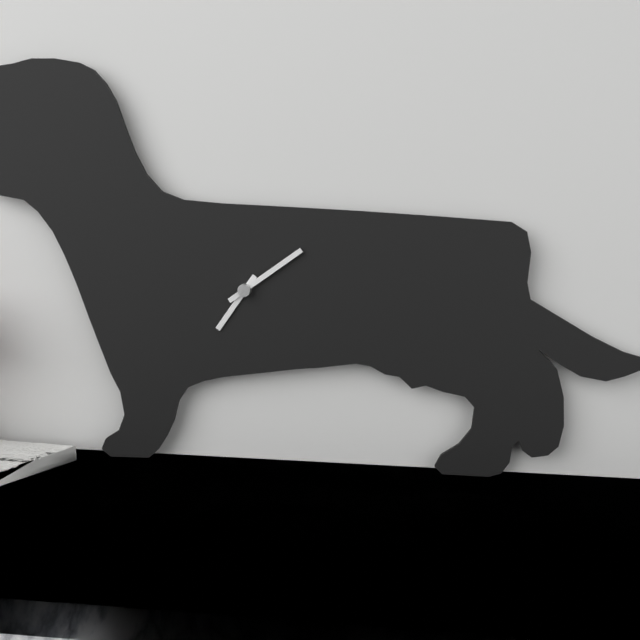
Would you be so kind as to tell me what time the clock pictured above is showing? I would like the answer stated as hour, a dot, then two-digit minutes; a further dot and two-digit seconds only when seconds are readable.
7.09
